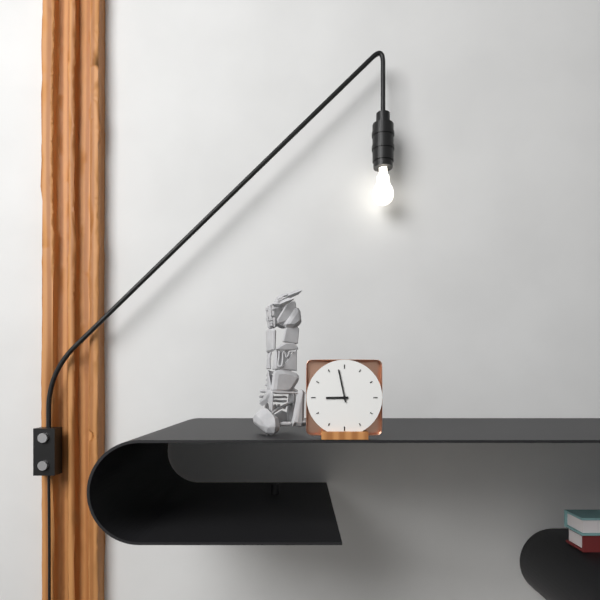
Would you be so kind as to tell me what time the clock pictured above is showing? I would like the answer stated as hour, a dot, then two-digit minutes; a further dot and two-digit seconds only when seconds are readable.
8.58
